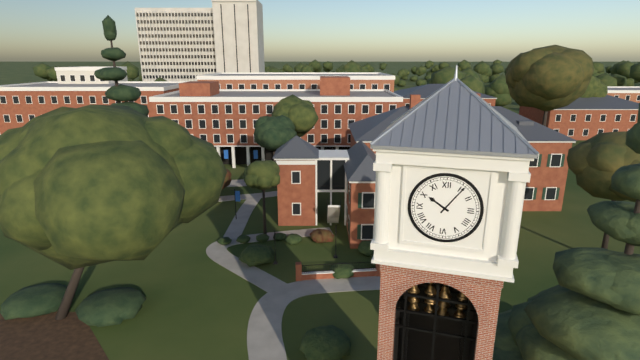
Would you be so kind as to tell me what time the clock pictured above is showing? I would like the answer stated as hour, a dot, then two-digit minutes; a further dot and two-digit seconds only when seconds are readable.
10.06
